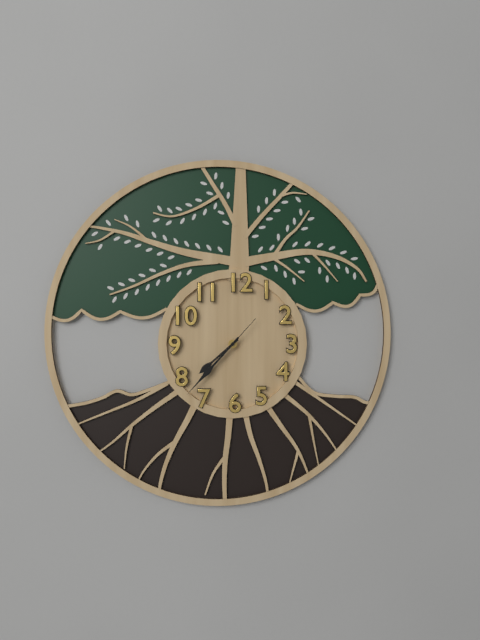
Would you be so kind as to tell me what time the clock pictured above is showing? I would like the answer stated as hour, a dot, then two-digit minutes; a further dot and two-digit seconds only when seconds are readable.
7.37
